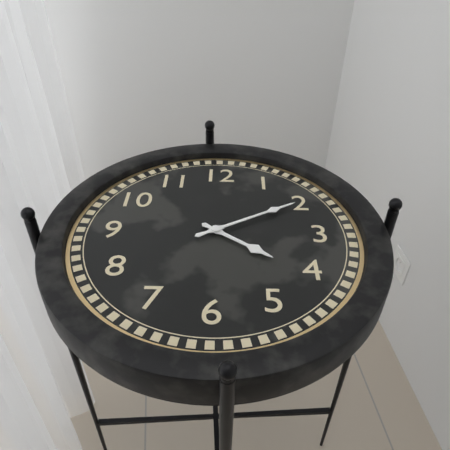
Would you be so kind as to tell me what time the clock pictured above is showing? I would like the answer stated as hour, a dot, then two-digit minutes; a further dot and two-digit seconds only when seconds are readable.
4.10
